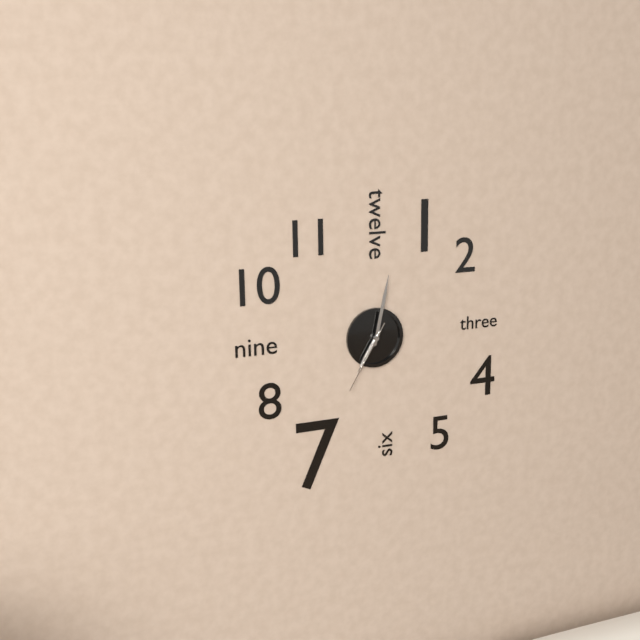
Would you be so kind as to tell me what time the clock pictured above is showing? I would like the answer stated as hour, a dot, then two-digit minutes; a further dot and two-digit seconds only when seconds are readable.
7.02.35
